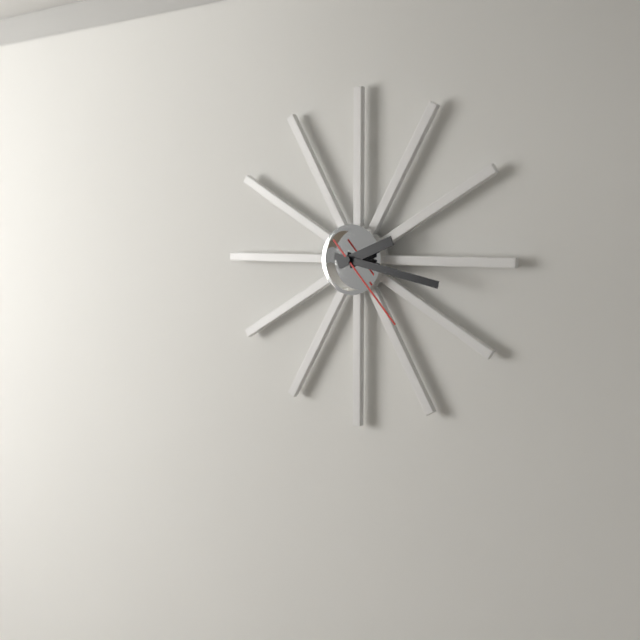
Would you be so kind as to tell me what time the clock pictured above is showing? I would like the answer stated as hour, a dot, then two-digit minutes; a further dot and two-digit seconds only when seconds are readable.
2.17.23
